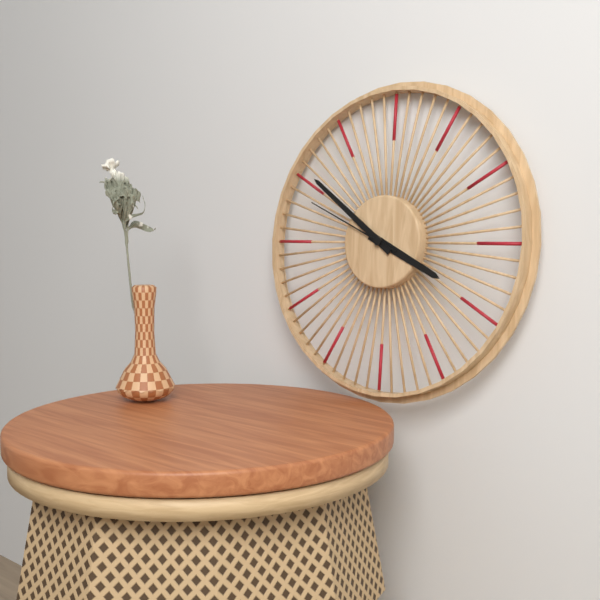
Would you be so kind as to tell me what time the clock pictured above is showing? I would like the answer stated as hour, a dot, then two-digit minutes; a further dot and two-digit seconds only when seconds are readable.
3.51.49
